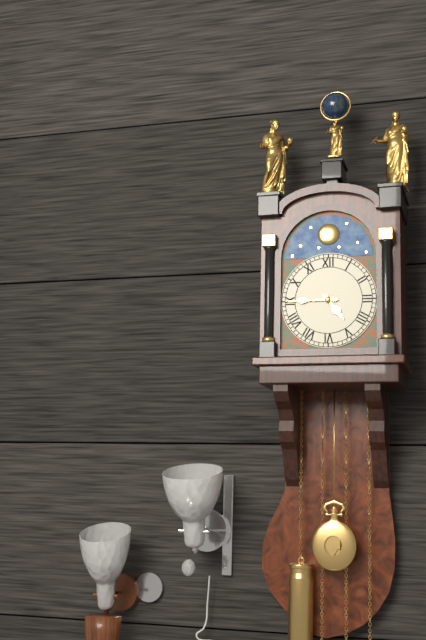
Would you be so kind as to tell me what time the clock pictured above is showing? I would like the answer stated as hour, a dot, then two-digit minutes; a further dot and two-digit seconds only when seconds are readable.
4.45
